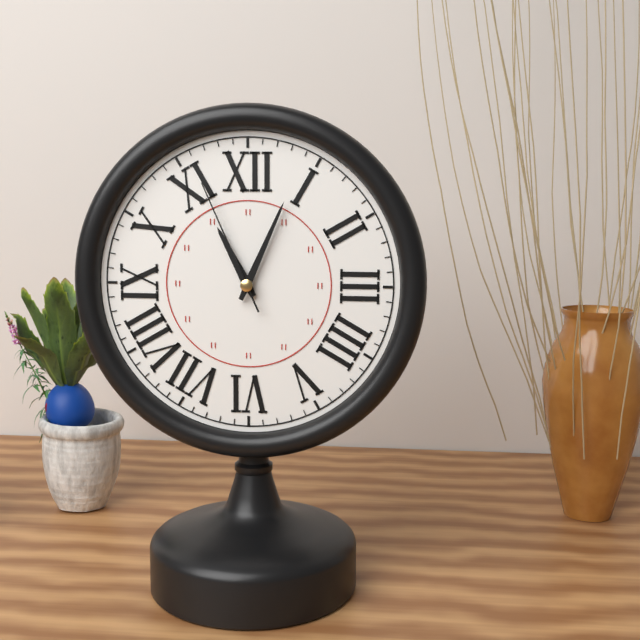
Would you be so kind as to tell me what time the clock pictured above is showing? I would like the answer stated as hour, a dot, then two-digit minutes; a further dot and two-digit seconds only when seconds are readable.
11.04.56
